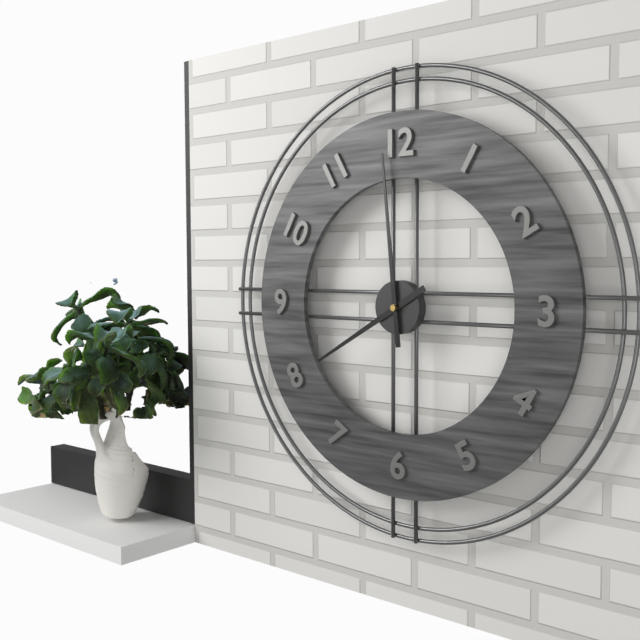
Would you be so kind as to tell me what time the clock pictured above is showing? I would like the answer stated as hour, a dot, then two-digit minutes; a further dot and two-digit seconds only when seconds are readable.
7.59
